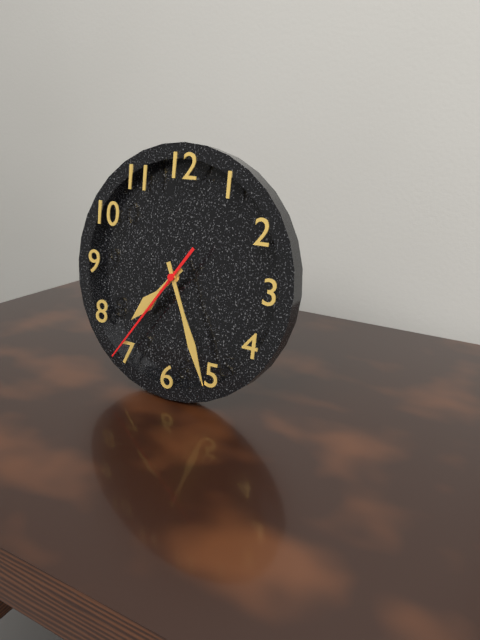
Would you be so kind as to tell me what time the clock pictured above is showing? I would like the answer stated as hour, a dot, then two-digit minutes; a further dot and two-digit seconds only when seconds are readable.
7.26.36
